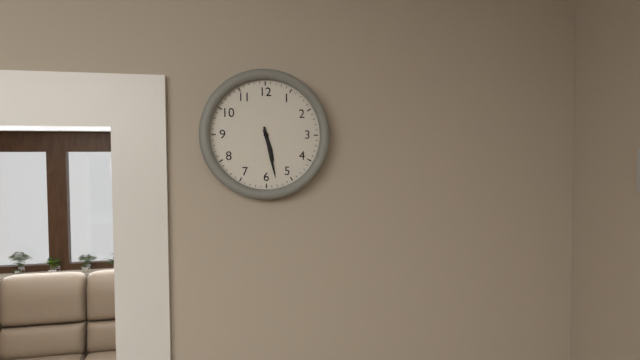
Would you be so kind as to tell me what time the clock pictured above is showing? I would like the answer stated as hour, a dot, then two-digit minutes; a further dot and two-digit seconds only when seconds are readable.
5.28
